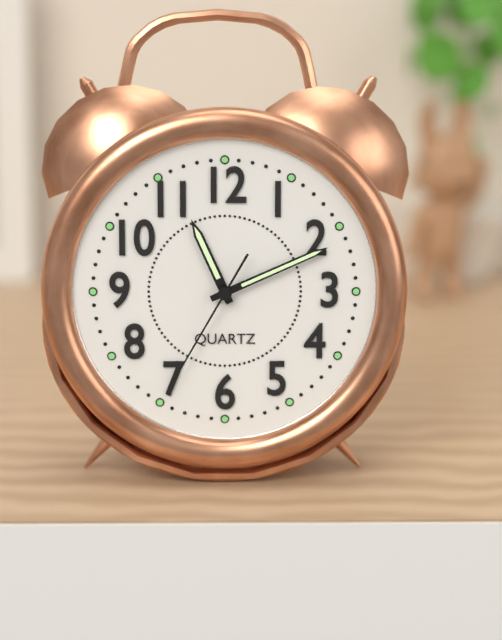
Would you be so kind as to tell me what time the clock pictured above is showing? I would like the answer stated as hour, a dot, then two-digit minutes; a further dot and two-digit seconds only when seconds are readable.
11.11.35
